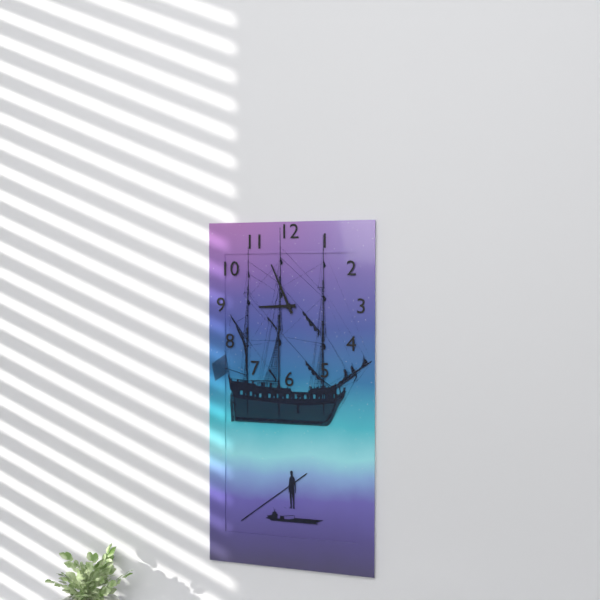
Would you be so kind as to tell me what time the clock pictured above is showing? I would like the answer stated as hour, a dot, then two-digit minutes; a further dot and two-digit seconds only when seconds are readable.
8.56
